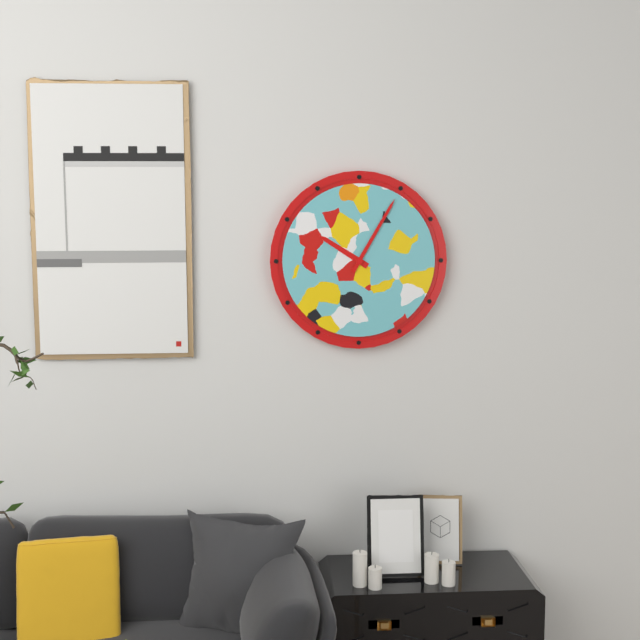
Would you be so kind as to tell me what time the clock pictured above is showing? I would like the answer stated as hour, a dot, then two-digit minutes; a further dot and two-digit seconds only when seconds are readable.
10.05
